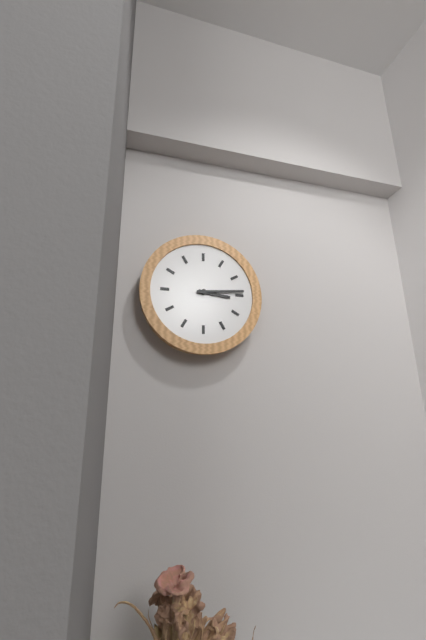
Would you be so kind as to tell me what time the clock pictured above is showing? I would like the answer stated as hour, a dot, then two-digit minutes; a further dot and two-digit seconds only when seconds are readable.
3.14
